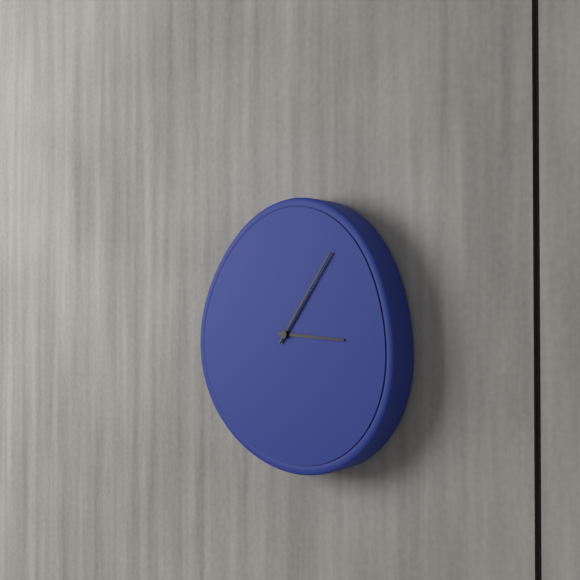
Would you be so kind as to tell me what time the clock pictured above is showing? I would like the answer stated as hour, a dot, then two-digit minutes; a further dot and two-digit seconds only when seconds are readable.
3.06
